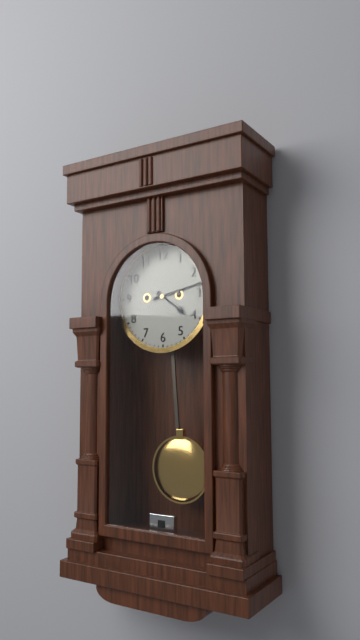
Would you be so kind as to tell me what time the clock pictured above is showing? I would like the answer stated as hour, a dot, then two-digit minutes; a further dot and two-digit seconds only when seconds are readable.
4.13
